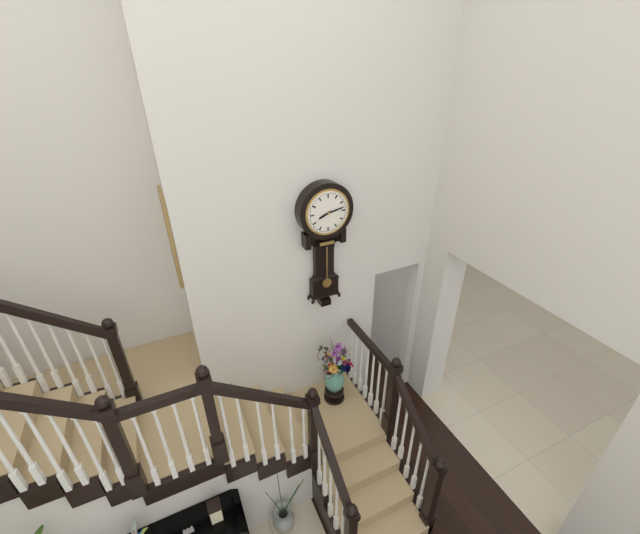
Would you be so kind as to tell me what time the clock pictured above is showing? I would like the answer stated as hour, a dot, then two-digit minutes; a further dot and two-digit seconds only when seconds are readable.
8.13
